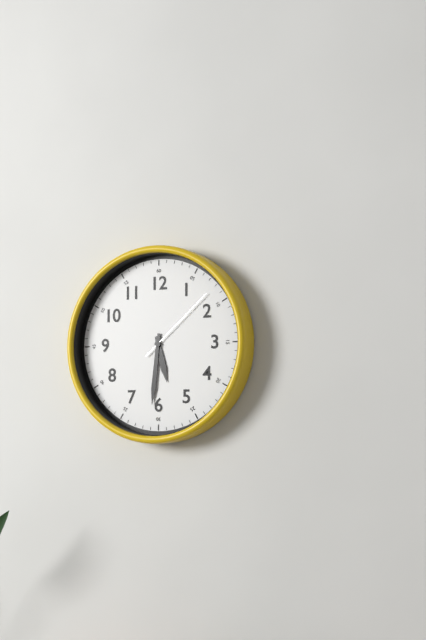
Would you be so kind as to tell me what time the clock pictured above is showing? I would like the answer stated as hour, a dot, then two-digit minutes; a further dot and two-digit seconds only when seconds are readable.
5.31.08
